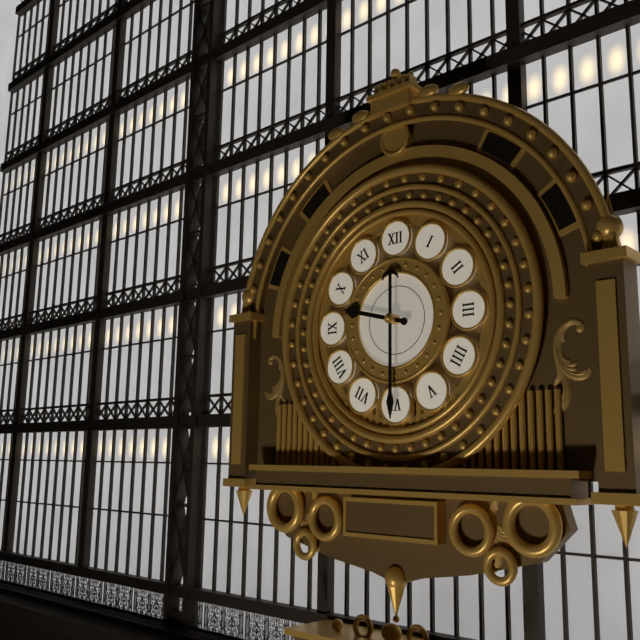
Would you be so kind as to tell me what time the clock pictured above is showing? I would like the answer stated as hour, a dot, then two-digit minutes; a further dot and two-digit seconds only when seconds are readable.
9.30
